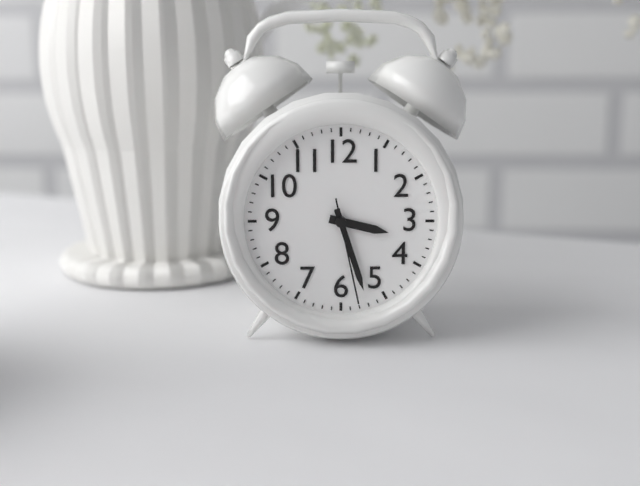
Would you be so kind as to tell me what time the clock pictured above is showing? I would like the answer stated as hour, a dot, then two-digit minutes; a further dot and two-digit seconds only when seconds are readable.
3.27.28
